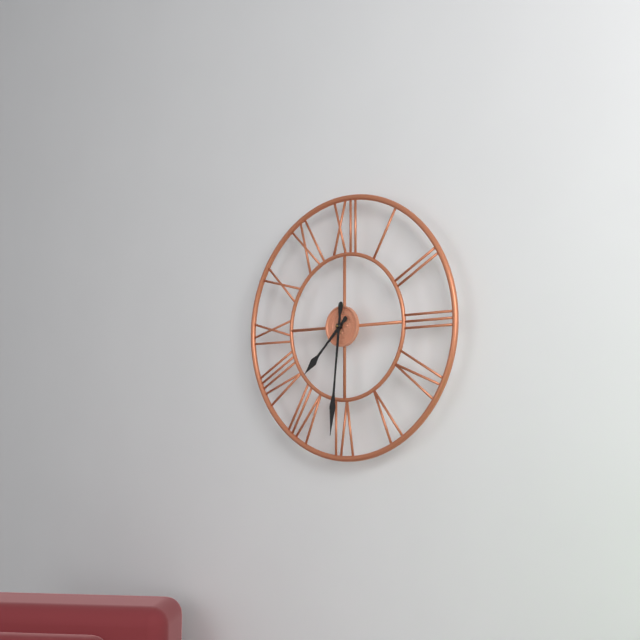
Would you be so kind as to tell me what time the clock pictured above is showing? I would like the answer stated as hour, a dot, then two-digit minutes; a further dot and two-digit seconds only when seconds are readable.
7.31
